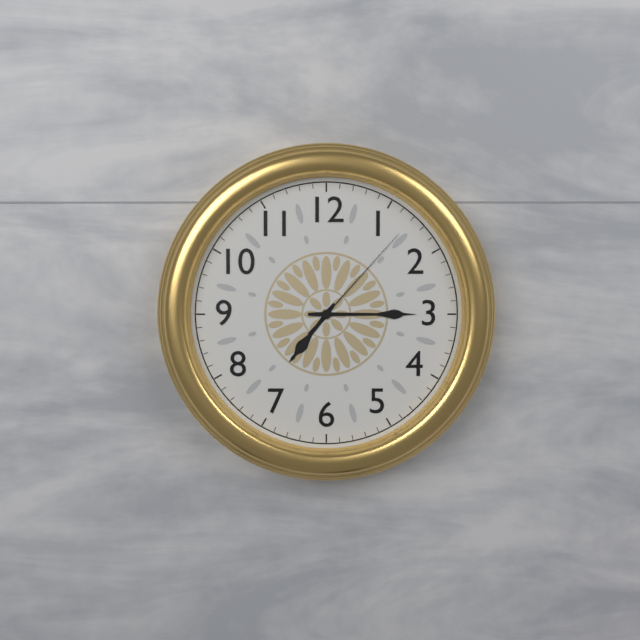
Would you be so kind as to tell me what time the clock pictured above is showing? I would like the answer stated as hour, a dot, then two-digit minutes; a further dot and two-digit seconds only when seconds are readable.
7.15.07
